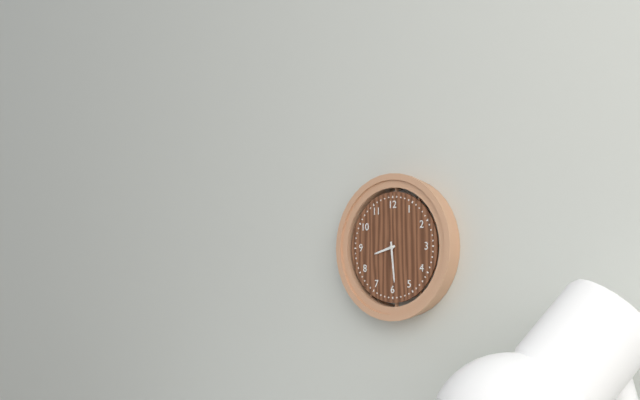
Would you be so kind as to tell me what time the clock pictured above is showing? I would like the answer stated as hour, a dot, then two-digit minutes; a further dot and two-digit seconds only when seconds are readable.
8.29
